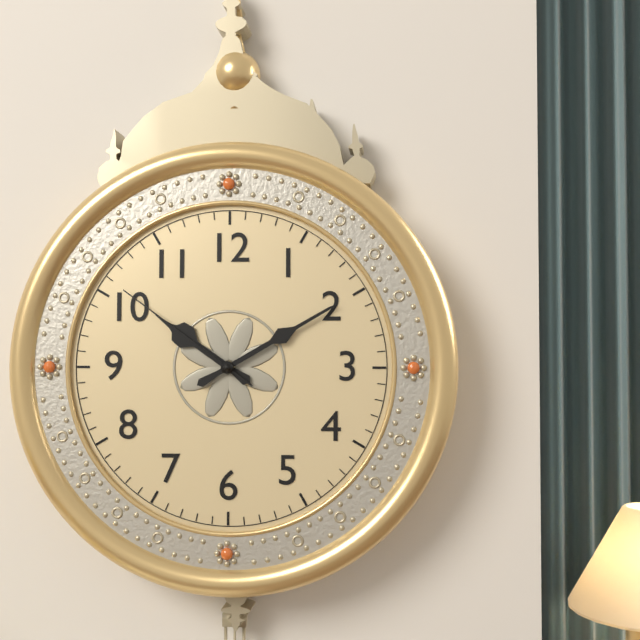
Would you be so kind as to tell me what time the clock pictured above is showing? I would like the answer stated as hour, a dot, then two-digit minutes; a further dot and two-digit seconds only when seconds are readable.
10.10.51
